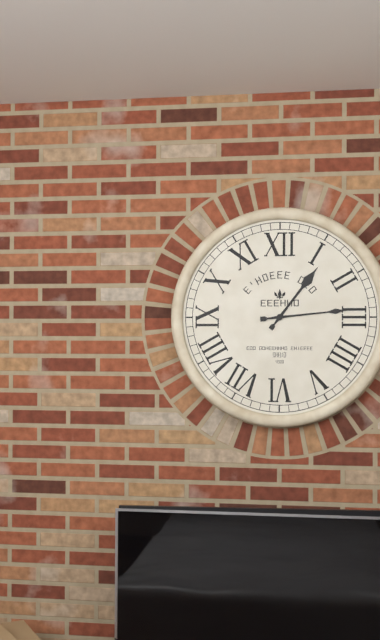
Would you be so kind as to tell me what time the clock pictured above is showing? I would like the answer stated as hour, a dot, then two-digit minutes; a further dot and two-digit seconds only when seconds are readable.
1.14
